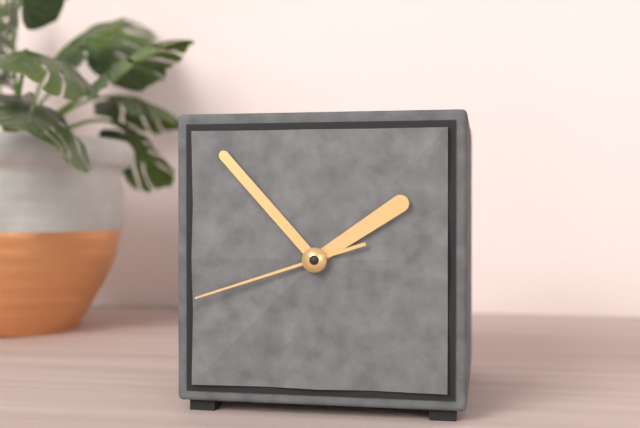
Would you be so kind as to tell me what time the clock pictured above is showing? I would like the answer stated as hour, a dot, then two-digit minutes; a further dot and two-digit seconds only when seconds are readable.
1.53.42
